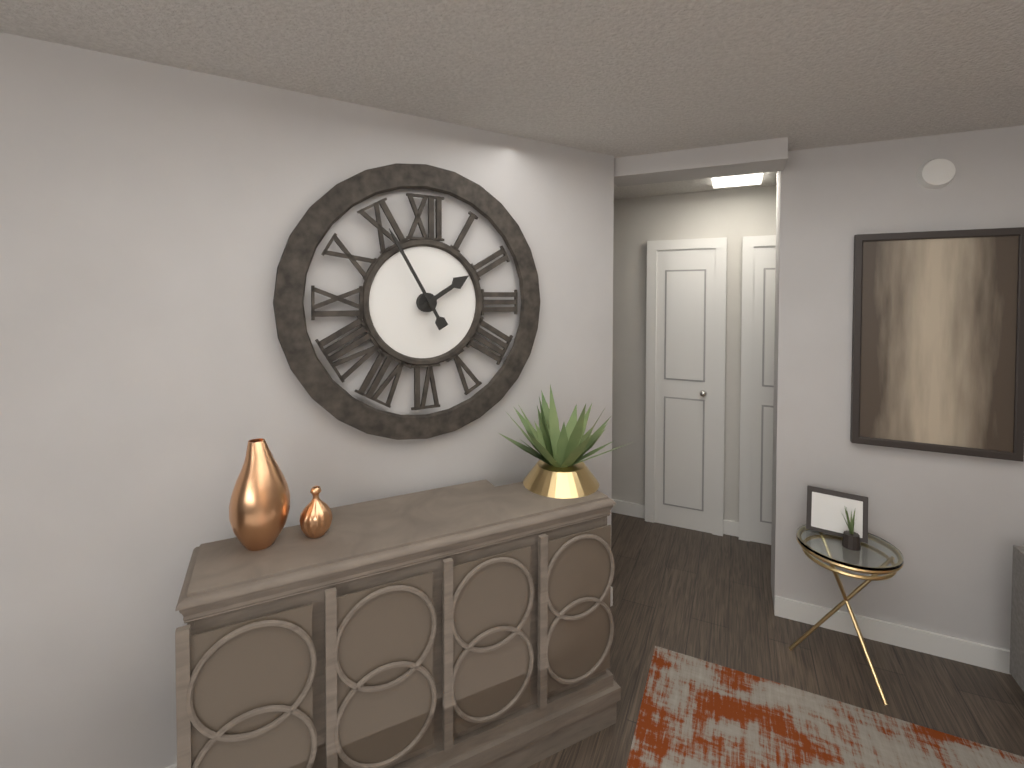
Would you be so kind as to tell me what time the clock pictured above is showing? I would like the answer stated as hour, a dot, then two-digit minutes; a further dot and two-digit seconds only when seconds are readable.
1.55
